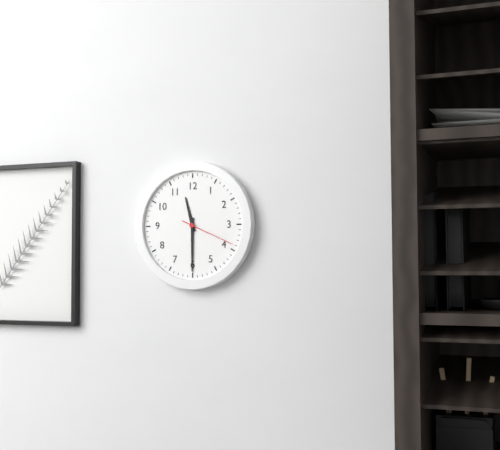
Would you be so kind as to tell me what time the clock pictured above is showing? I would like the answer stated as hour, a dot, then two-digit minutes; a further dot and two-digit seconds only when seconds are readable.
11.30.19
